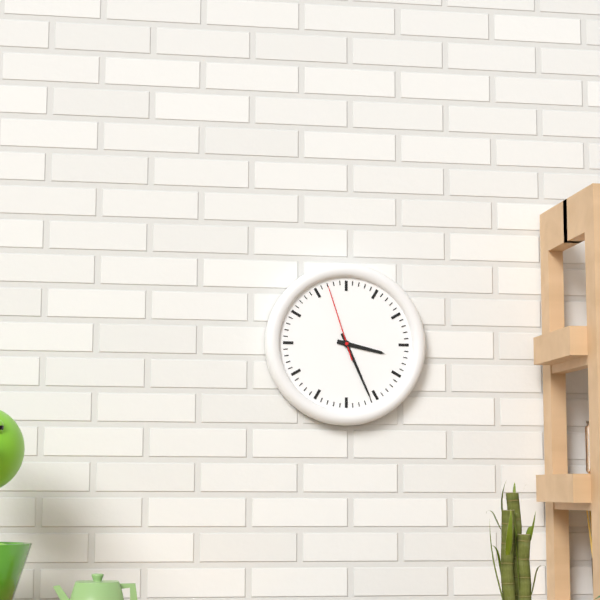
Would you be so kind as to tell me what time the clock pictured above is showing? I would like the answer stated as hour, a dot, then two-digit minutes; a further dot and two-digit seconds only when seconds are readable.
3.26.57
